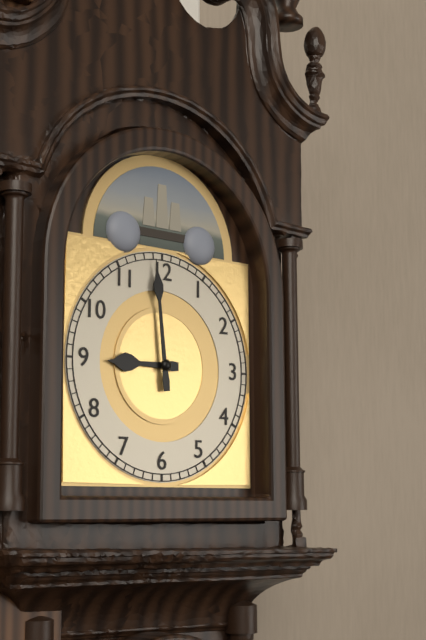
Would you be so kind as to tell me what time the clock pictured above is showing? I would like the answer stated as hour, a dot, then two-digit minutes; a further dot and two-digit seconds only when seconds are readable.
8.59
